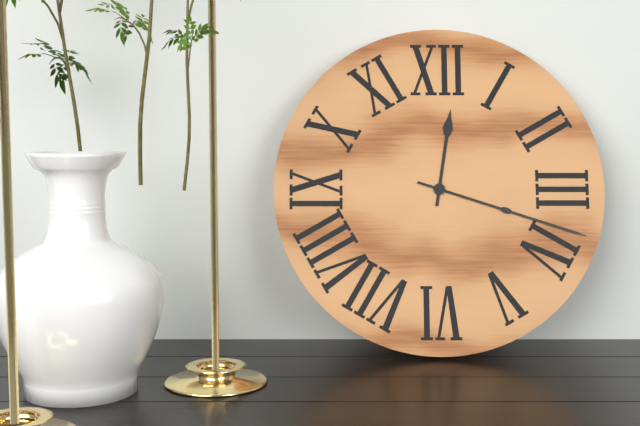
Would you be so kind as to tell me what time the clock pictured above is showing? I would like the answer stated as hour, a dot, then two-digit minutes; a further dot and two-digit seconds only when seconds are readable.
12.18
